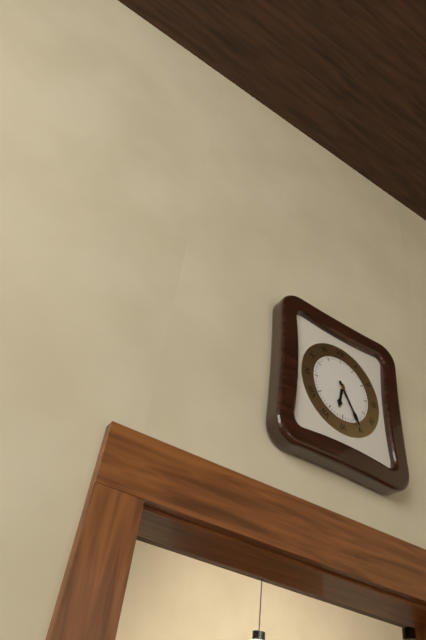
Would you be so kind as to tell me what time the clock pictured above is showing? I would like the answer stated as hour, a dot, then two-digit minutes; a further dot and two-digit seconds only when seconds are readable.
6.25
